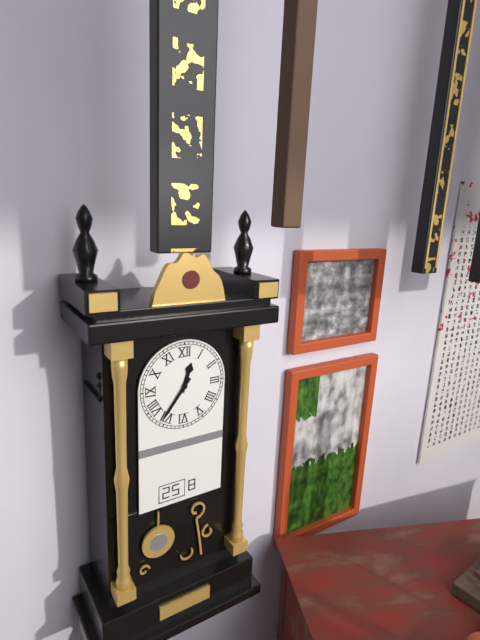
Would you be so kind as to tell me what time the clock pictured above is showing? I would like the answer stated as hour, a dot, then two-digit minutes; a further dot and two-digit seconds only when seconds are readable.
12.36
